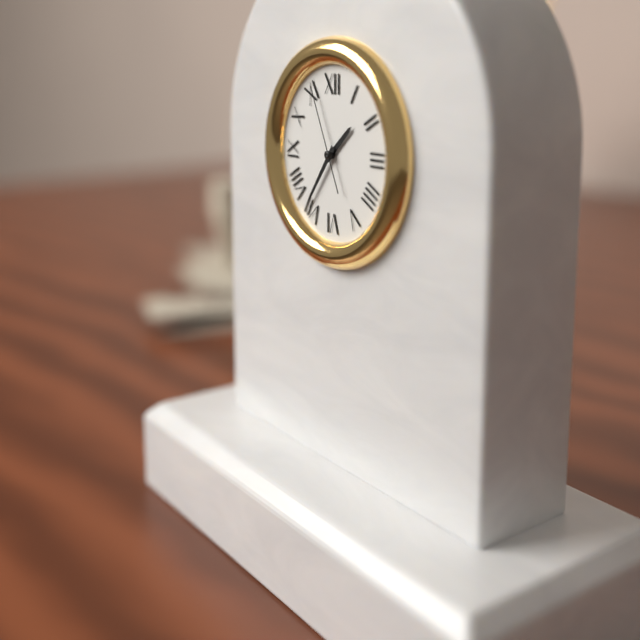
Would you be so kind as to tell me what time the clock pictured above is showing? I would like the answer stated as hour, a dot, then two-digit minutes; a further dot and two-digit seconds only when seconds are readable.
1.36.56
